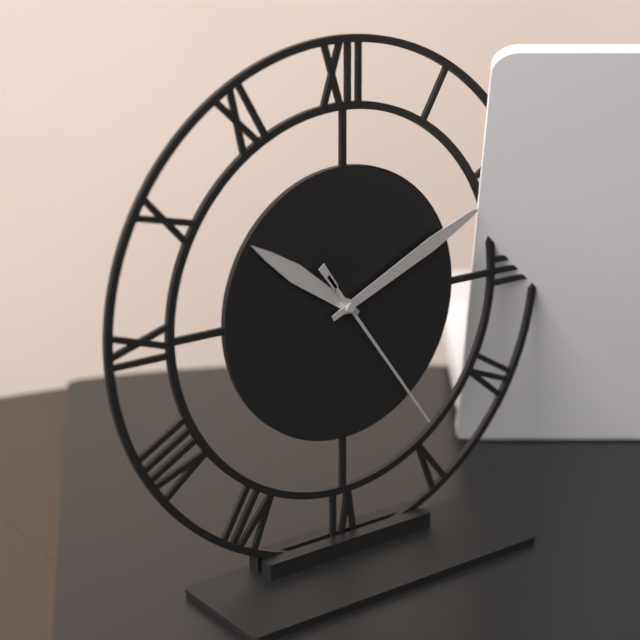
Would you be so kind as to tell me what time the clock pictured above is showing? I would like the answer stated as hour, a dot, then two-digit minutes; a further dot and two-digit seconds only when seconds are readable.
10.11.24
